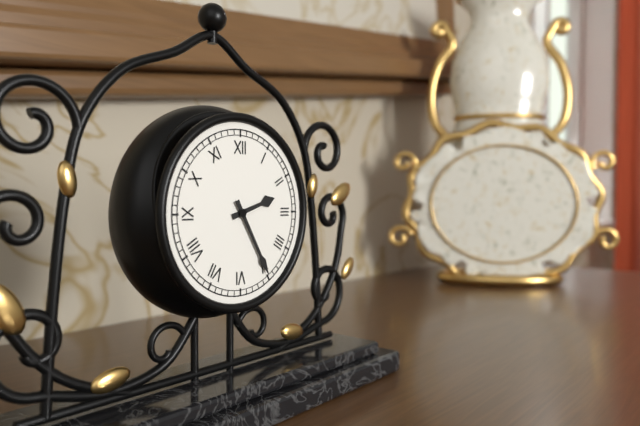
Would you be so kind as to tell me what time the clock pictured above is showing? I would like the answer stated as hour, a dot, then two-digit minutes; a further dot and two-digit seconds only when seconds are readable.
2.25
